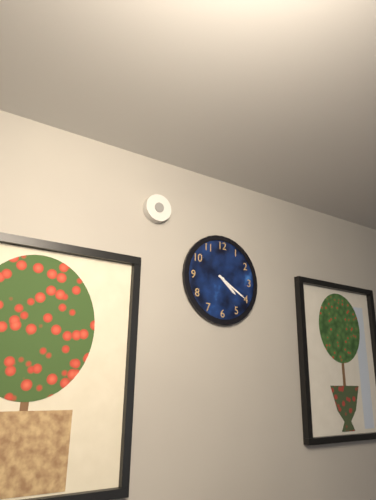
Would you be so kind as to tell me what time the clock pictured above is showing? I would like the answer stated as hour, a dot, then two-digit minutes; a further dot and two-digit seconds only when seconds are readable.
4.20
